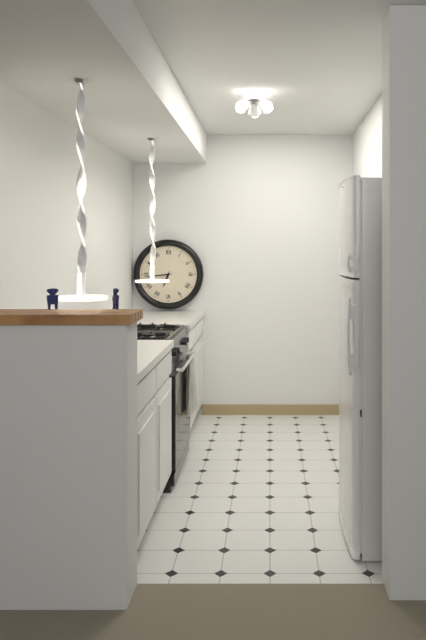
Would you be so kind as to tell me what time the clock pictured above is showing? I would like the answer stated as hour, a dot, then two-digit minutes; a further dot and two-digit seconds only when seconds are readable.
6.44
